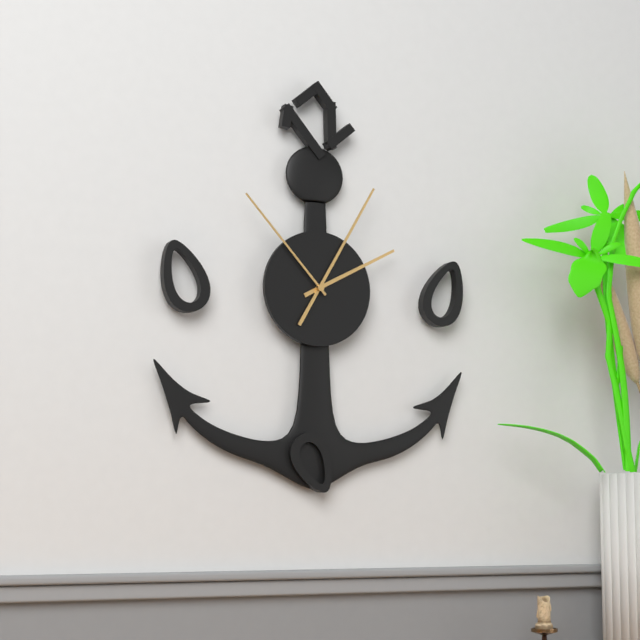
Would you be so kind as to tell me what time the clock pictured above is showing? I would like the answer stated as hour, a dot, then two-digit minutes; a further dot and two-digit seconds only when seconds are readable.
2.05.53
